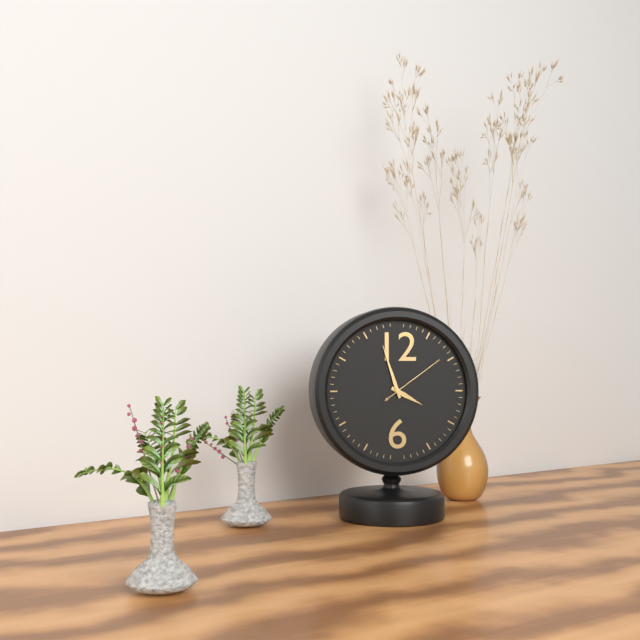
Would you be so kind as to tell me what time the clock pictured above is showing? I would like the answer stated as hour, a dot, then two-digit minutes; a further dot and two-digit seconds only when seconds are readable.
3.57.09
